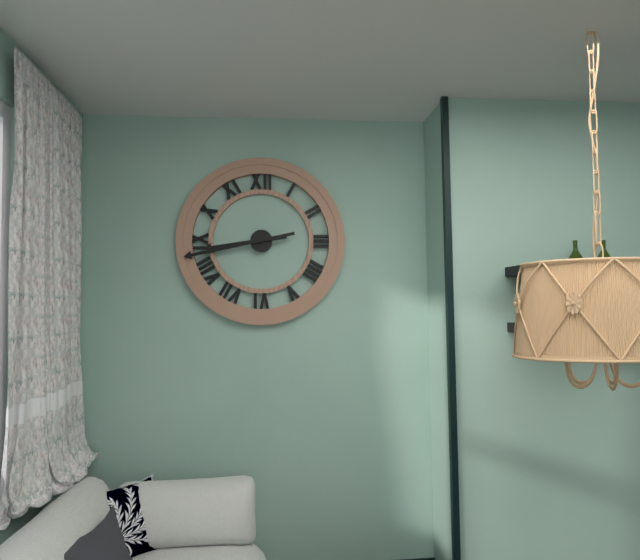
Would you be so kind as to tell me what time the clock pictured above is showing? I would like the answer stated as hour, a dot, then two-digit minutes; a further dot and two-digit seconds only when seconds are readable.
8.43
